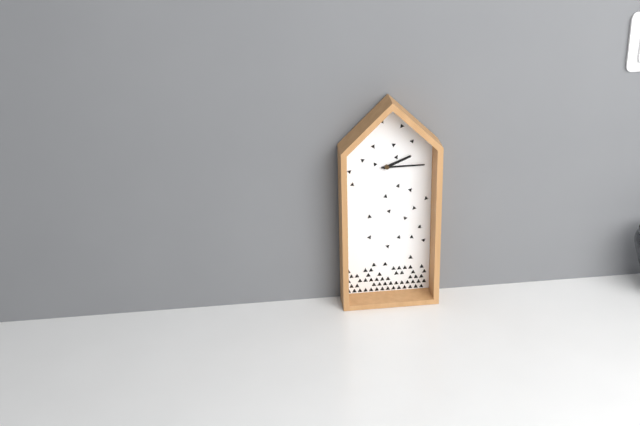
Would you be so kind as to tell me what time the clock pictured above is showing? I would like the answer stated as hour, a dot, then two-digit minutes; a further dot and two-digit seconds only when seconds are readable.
2.15
